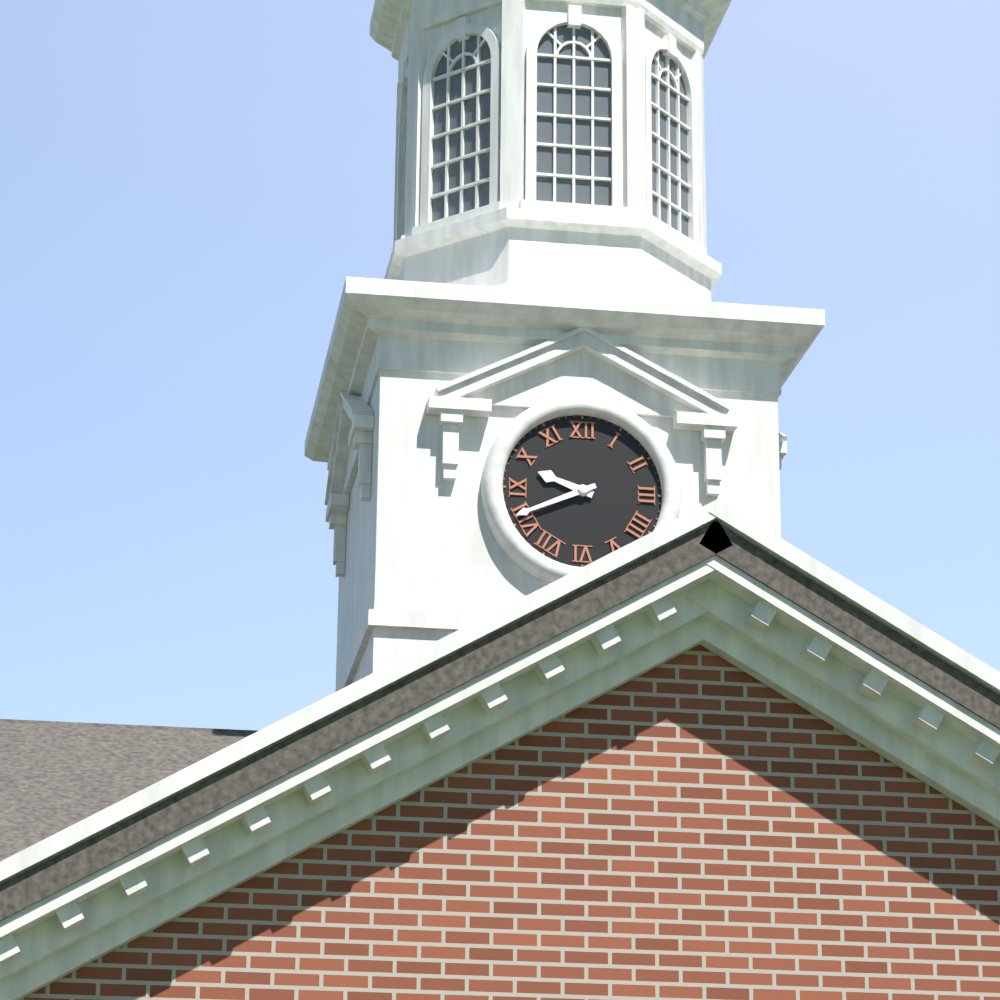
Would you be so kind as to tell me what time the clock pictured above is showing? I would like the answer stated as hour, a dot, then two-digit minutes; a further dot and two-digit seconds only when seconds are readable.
9.41
